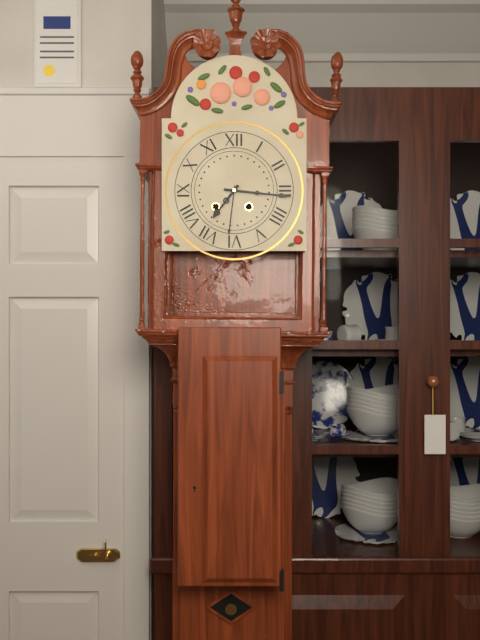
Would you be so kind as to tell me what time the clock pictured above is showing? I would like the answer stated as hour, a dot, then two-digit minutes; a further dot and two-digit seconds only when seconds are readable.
7.16
